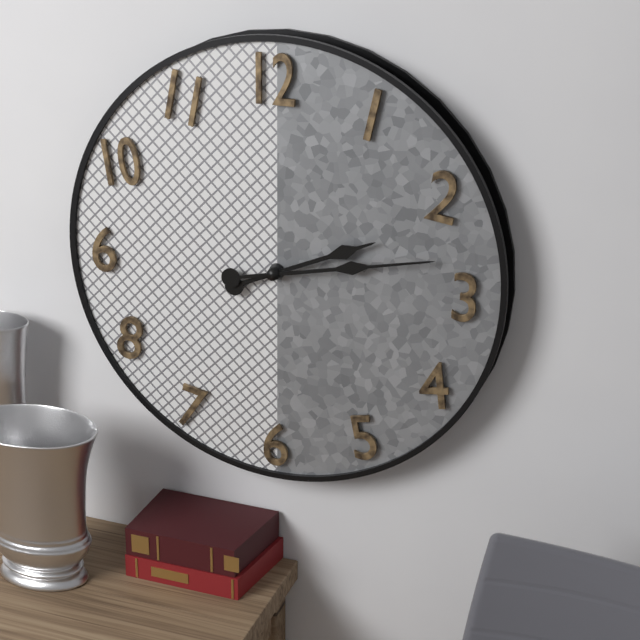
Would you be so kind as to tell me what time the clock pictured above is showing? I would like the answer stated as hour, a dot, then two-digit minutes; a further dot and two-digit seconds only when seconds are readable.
2.13
